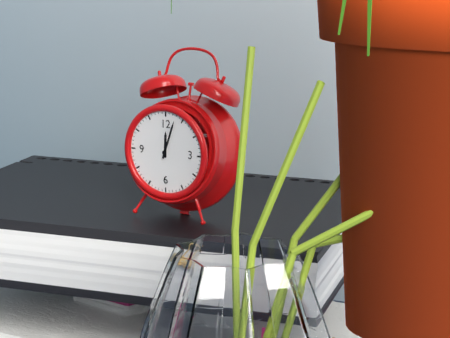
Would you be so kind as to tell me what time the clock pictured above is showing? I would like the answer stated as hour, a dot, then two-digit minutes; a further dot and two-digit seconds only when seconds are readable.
12.03
